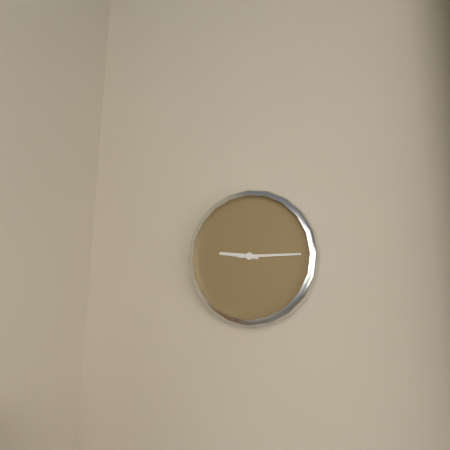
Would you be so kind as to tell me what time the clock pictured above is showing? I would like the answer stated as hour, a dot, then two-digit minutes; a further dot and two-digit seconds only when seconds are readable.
9.15
